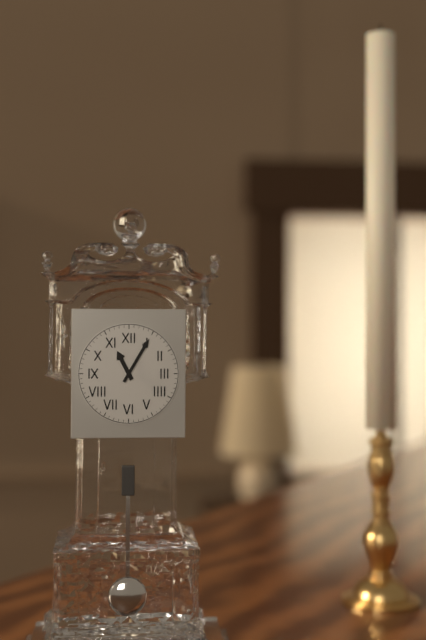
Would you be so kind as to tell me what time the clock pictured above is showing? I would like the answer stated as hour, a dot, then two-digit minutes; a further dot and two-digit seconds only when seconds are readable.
11.05
